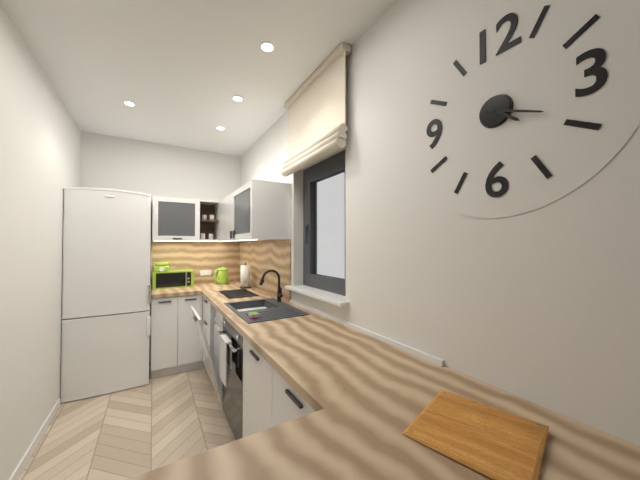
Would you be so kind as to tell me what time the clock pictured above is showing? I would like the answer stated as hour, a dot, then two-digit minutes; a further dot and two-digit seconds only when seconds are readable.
4.19
